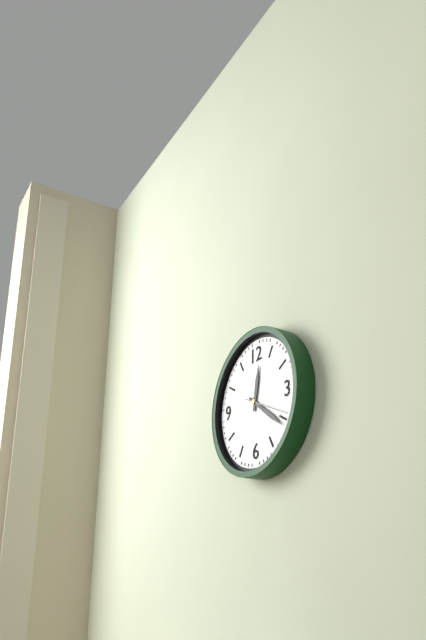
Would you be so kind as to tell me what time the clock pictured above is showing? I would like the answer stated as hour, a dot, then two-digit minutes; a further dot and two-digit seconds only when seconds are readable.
12.21
